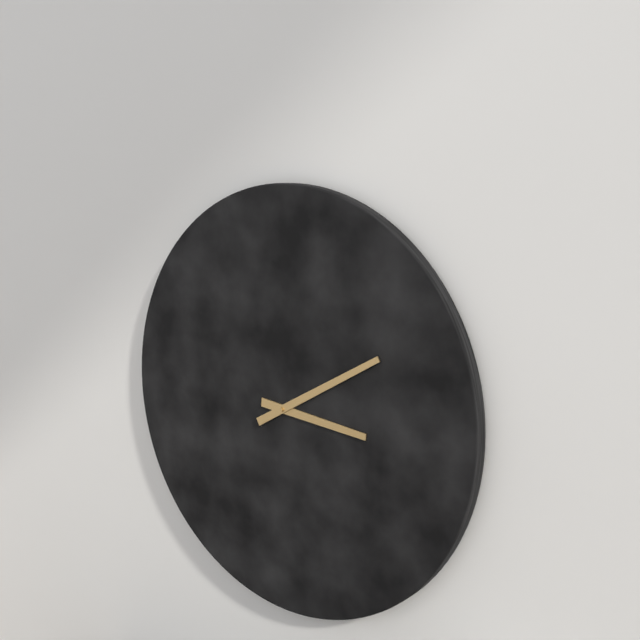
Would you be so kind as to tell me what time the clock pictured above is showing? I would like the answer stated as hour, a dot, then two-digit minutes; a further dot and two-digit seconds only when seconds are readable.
3.10
